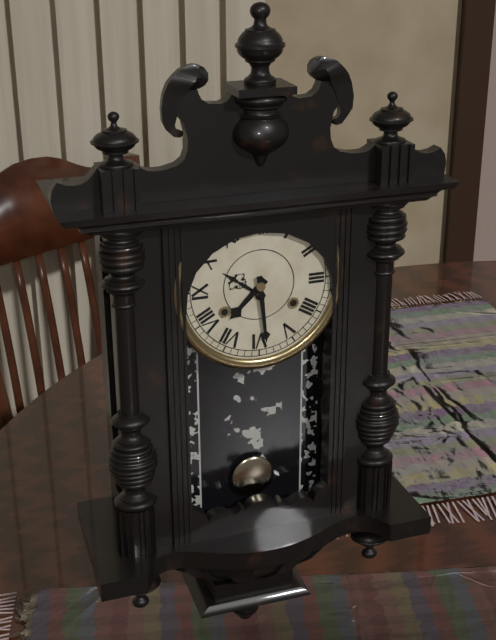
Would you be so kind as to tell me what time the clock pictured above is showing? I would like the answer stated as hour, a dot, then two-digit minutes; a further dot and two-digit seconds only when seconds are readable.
7.29
